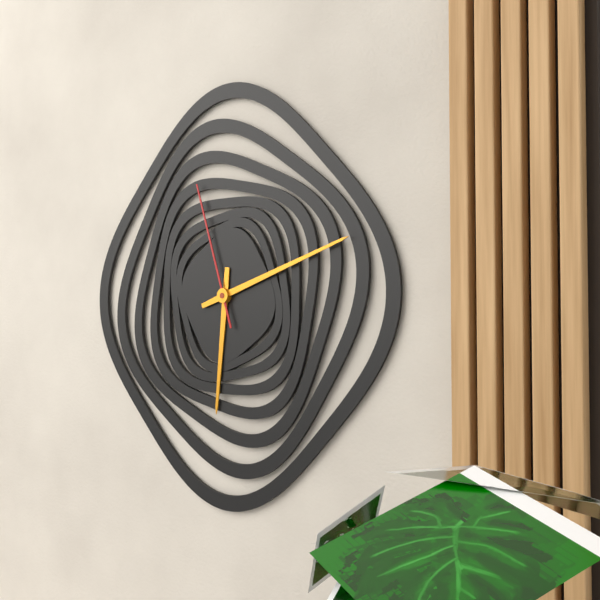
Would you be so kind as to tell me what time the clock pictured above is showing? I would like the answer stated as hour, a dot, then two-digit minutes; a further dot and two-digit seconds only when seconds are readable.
6.12.57
